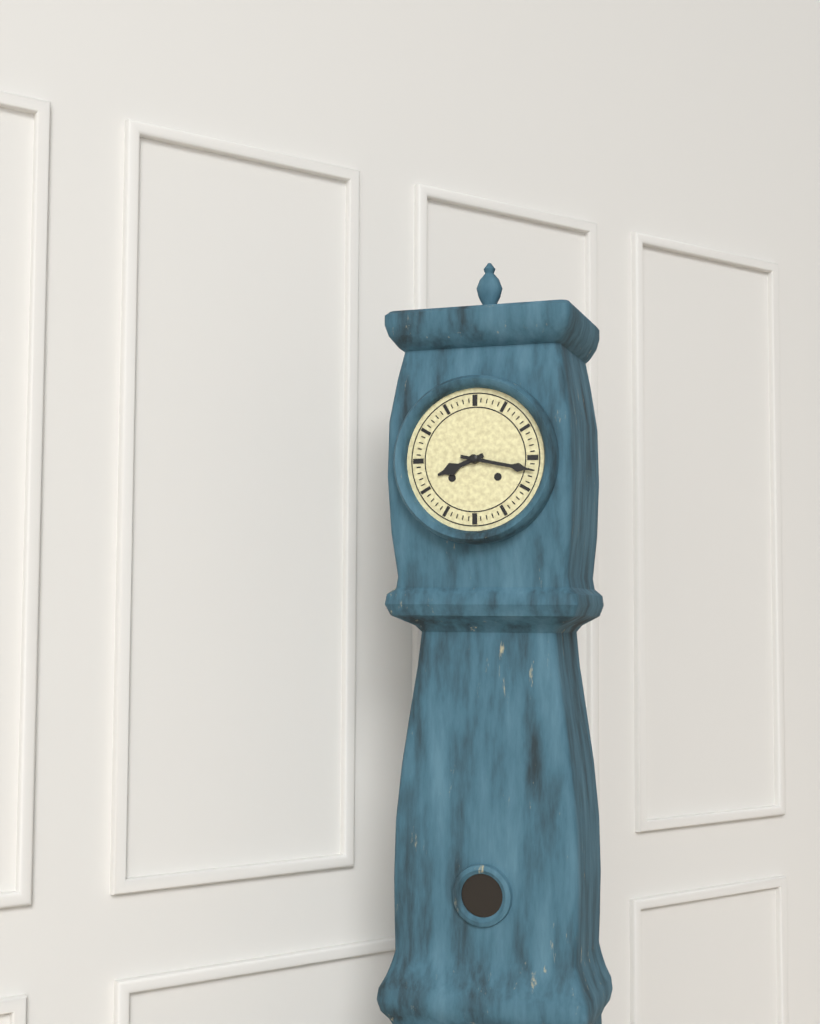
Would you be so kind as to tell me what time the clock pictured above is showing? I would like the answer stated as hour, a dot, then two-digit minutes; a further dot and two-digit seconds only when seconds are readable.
8.17
